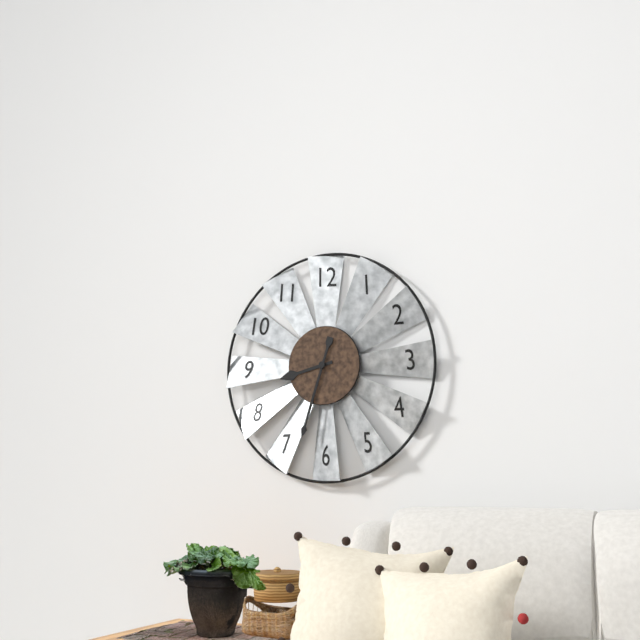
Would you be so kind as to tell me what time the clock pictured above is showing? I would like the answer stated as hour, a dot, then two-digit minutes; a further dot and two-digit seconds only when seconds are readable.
8.33
